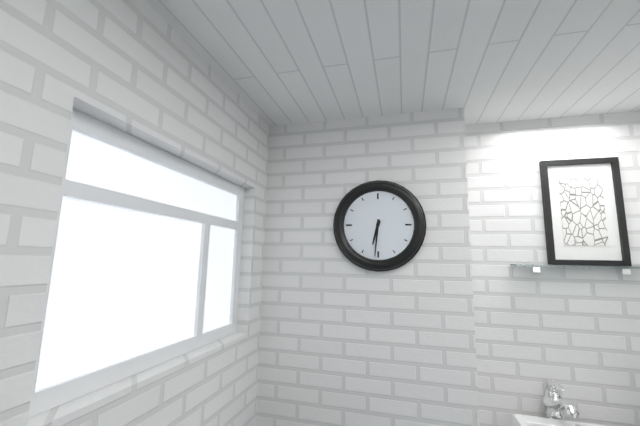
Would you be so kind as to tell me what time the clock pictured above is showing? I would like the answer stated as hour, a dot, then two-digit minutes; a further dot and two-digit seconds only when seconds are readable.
6.31
